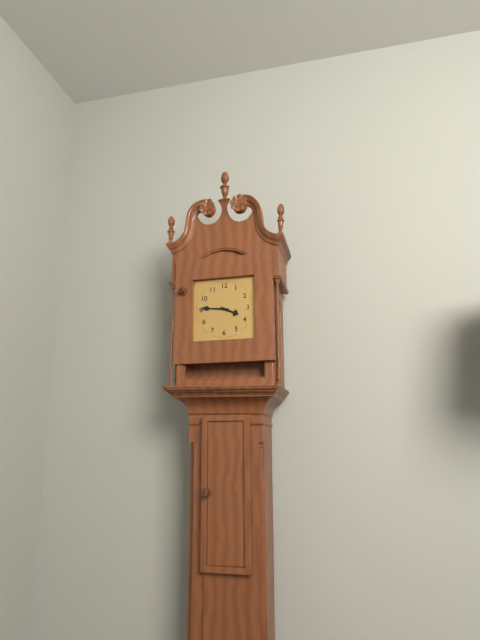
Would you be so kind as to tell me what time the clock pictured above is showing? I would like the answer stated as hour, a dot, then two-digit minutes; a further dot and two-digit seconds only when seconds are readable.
3.46
